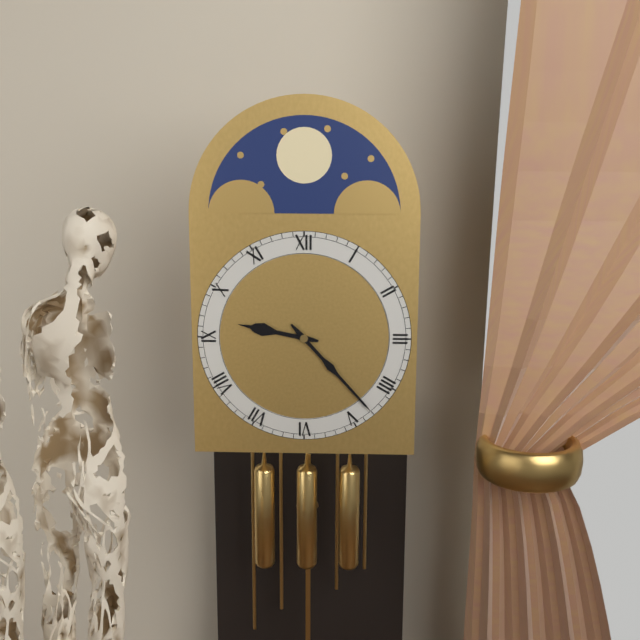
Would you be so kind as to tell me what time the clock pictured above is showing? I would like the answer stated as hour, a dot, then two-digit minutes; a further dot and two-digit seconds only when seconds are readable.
9.23
